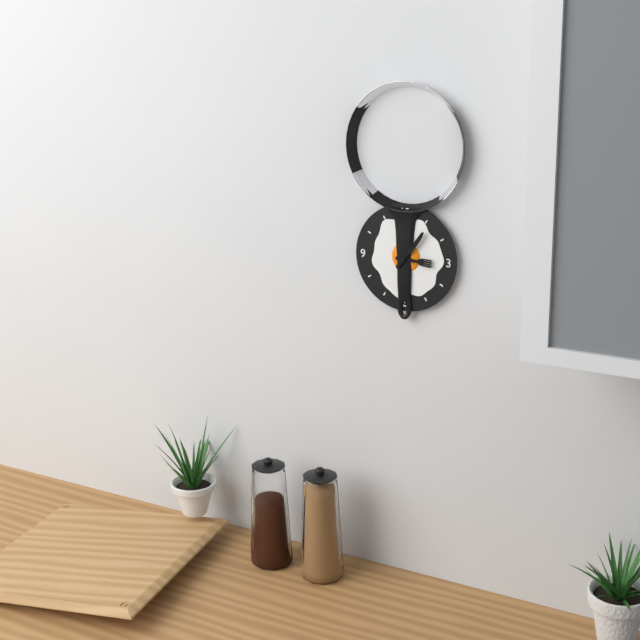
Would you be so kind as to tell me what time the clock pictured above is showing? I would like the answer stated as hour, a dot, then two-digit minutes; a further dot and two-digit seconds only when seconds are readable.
3.06
